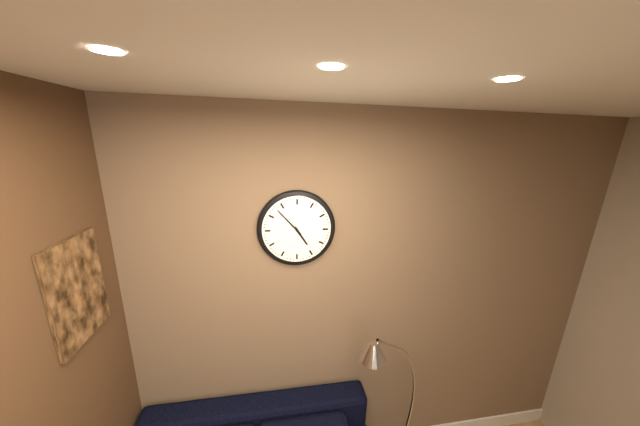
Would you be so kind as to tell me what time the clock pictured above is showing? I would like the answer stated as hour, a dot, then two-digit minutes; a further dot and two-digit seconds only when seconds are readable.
4.53
